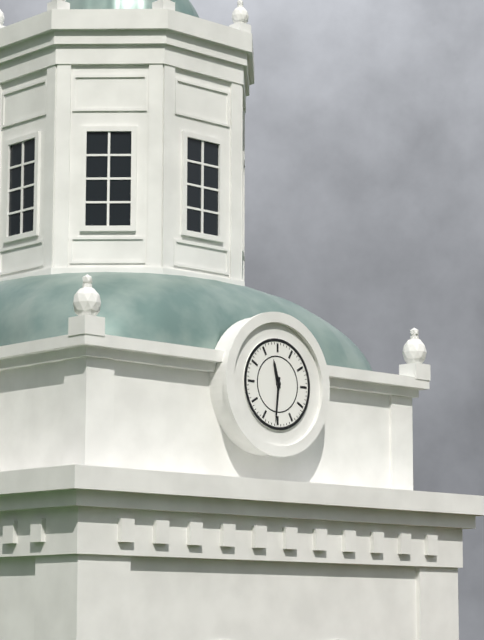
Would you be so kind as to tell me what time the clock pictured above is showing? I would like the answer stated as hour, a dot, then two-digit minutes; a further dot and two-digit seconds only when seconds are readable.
11.31
